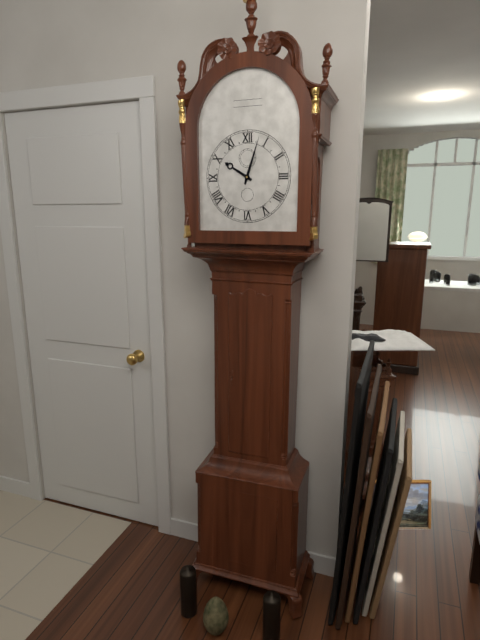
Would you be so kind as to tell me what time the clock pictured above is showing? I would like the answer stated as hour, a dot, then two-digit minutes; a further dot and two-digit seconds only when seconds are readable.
10.03
